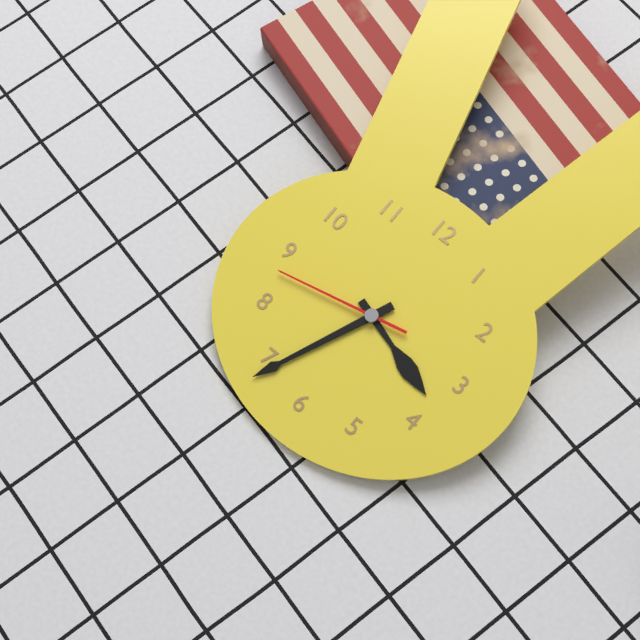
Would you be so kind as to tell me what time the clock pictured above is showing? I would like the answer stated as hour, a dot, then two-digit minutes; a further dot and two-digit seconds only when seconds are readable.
3.34.43
